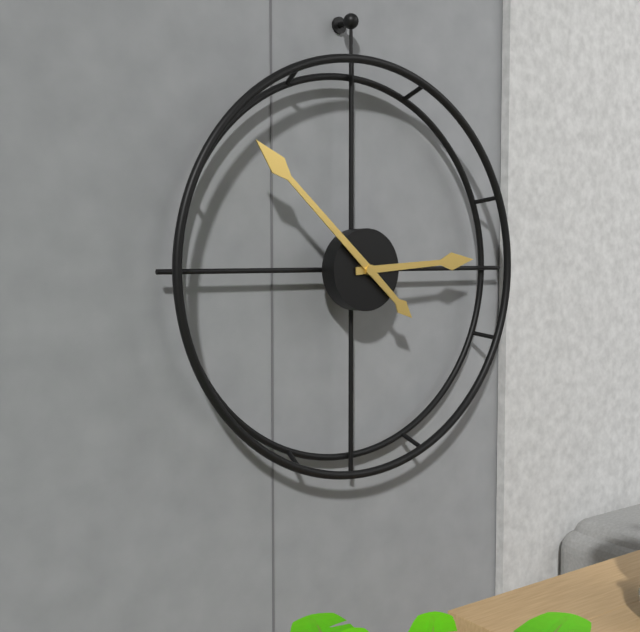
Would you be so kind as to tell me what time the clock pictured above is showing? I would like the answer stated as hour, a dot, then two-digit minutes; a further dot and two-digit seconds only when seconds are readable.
2.52
